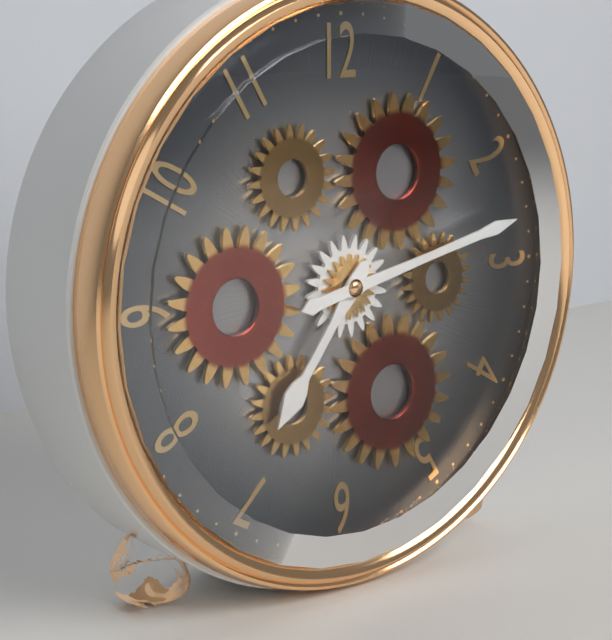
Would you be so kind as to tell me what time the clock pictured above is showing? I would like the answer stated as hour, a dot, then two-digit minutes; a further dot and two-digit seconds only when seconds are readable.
7.13
